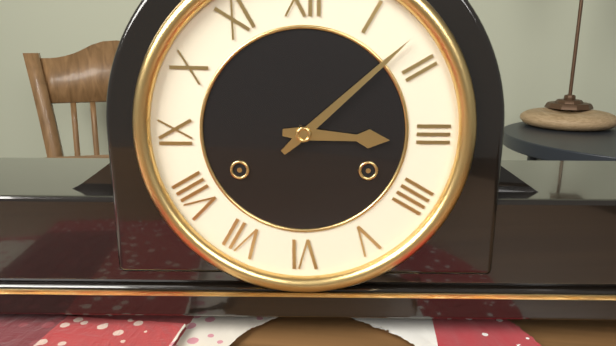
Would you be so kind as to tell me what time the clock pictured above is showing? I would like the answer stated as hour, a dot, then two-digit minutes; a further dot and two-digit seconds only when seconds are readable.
3.08
